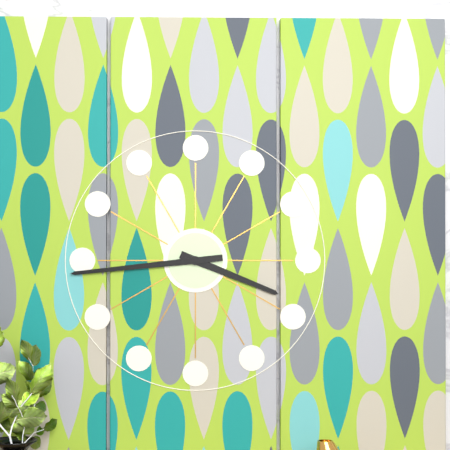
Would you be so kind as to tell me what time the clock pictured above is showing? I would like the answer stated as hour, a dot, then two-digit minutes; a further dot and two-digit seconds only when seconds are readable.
3.44
